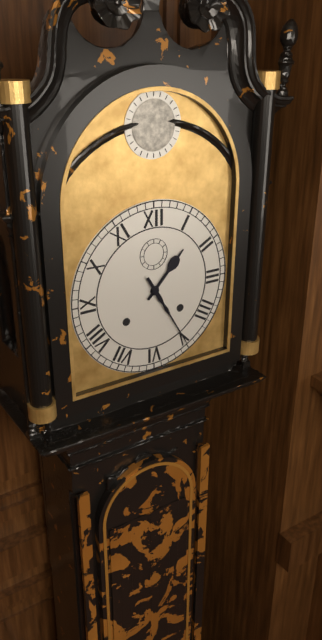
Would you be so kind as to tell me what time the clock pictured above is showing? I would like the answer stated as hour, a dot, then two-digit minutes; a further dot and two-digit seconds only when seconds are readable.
1.25
